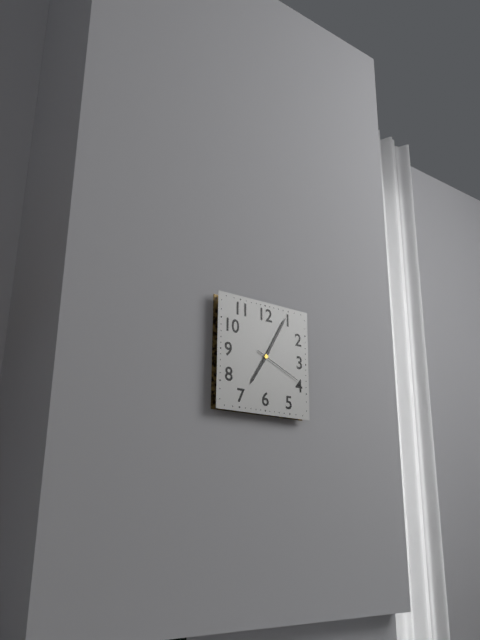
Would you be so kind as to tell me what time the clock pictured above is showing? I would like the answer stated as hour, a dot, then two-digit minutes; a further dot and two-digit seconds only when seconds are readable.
7.05.19
